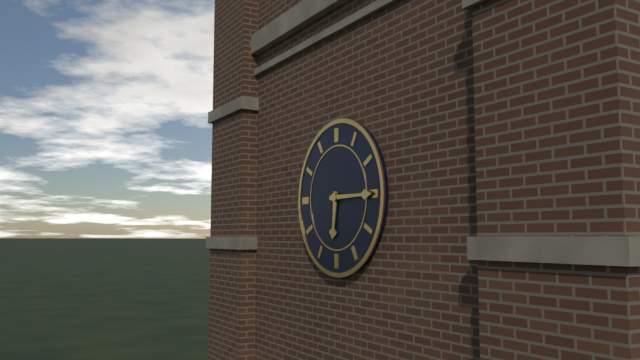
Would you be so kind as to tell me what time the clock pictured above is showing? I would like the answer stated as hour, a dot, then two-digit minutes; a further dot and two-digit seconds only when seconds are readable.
6.15
